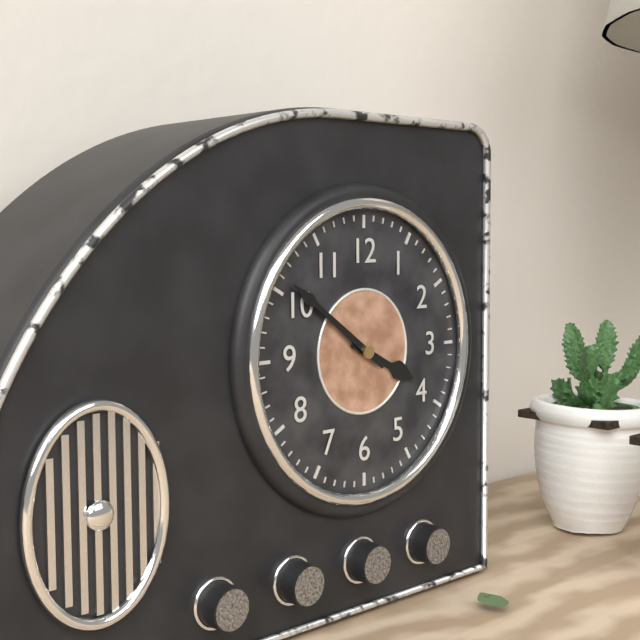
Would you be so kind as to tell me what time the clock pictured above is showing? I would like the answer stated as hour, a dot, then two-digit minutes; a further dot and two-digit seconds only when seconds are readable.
3.51
